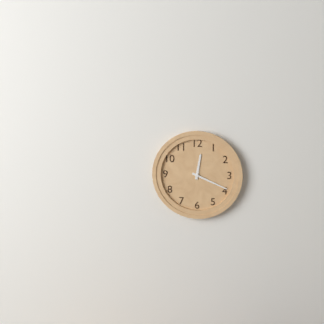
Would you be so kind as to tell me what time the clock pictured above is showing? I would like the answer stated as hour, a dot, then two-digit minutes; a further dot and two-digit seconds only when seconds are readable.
12.19
